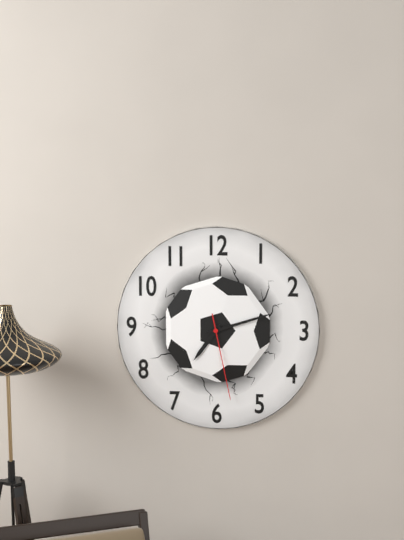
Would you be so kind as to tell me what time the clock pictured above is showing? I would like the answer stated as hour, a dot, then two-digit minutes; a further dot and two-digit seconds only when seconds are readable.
7.12.28
